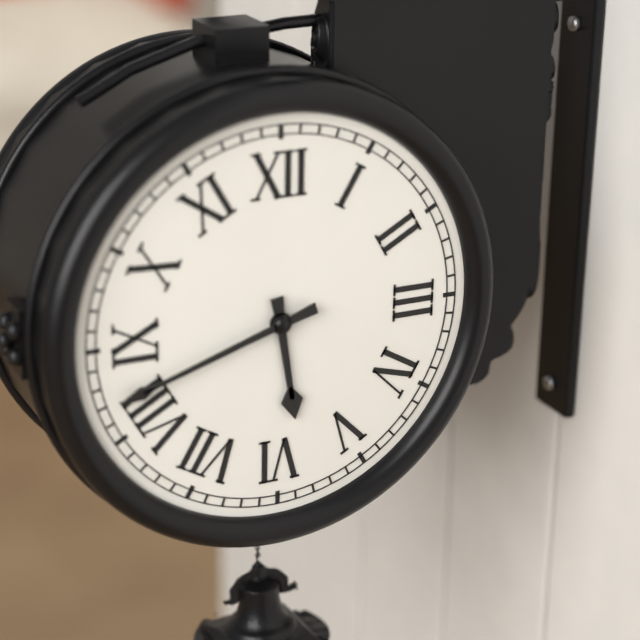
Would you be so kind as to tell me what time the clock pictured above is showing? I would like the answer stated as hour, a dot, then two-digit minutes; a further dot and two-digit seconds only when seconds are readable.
5.42
